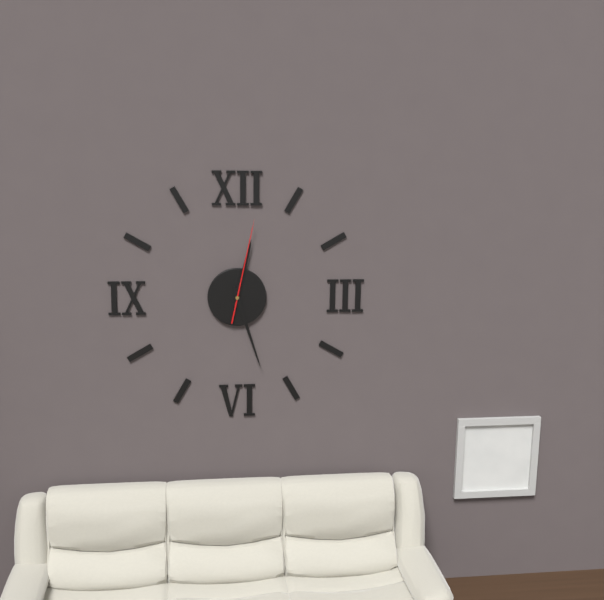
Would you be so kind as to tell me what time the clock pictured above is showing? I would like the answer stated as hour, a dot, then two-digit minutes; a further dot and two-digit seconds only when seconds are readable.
12.27.02
